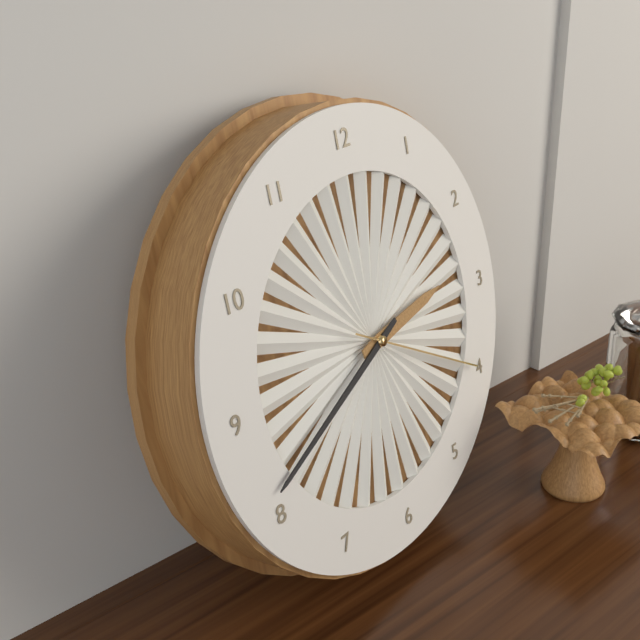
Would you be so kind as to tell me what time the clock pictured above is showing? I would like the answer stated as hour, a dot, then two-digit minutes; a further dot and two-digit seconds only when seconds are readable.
2.41.20
